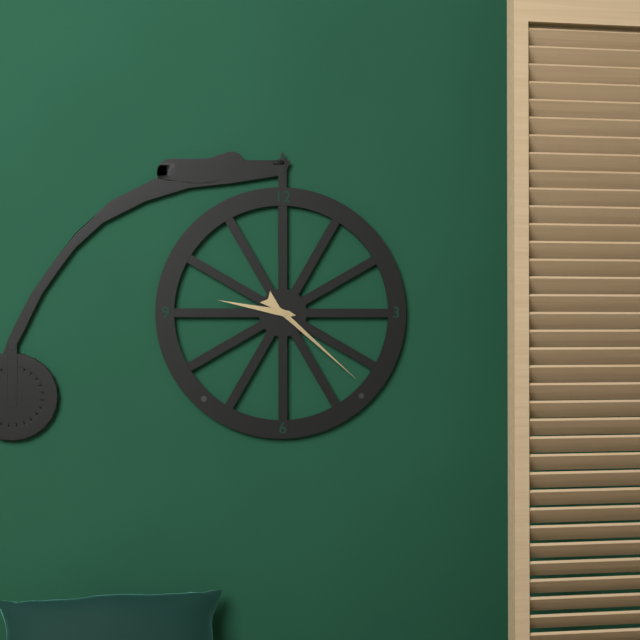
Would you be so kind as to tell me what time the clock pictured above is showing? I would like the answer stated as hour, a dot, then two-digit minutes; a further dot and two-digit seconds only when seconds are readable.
9.22
